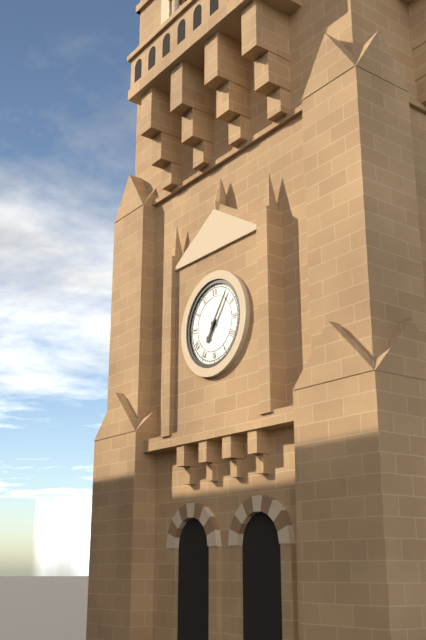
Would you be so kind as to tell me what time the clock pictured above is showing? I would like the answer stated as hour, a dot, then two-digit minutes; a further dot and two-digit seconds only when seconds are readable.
7.06
